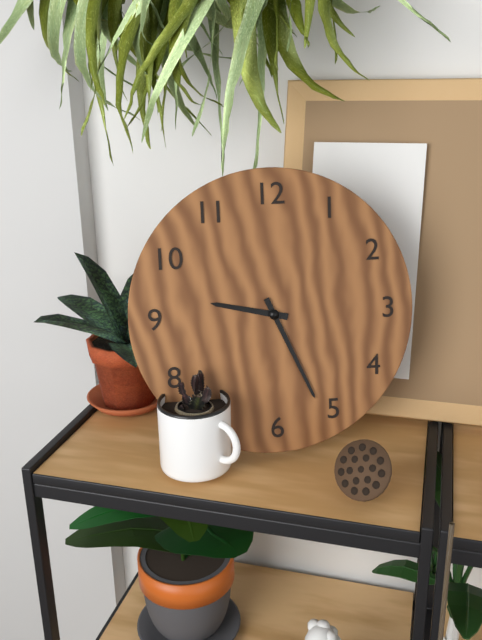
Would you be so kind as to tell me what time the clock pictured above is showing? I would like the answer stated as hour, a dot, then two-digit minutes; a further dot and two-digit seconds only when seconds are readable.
9.26
